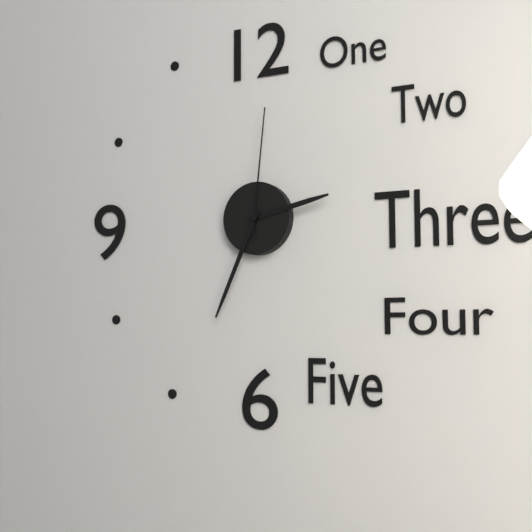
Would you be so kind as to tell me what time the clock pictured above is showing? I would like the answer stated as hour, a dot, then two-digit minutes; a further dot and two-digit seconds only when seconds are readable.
2.34.01
